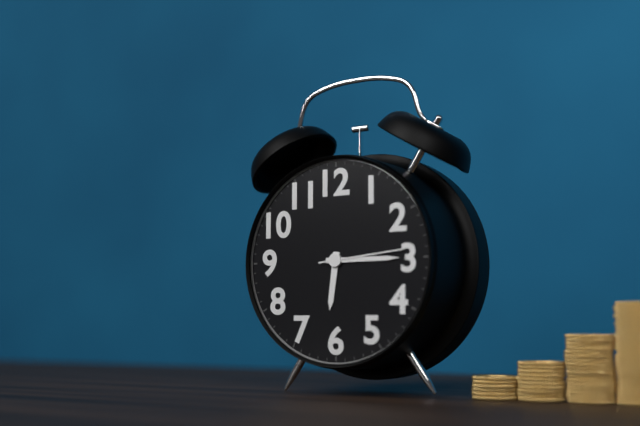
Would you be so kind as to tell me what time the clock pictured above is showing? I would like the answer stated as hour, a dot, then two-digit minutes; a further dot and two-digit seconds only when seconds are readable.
6.15.14
